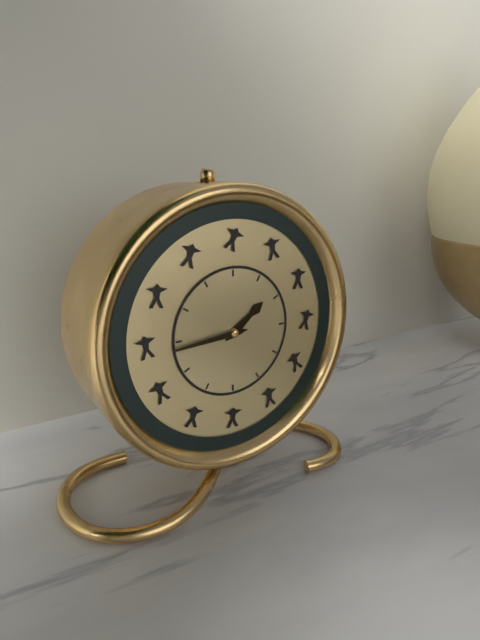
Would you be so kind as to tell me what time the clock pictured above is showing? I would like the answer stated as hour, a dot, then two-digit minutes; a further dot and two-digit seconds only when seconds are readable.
1.44
